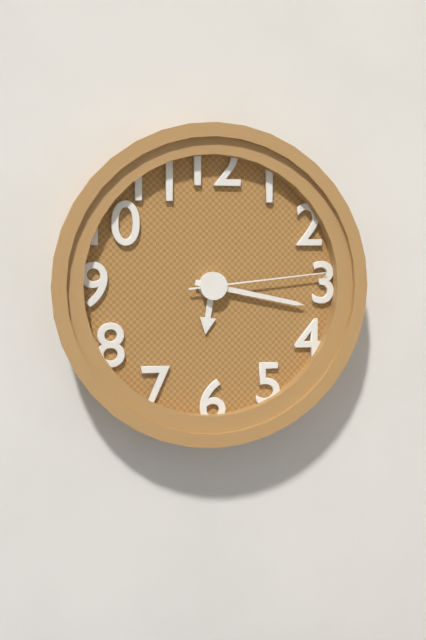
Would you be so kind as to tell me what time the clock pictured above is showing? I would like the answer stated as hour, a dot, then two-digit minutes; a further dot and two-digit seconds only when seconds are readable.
6.17.14
